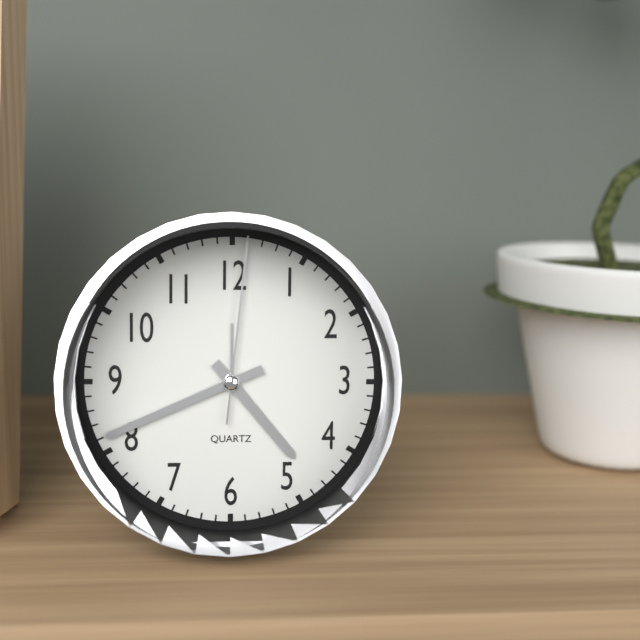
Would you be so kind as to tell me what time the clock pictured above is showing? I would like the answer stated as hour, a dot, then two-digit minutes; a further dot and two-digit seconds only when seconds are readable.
4.41.01
